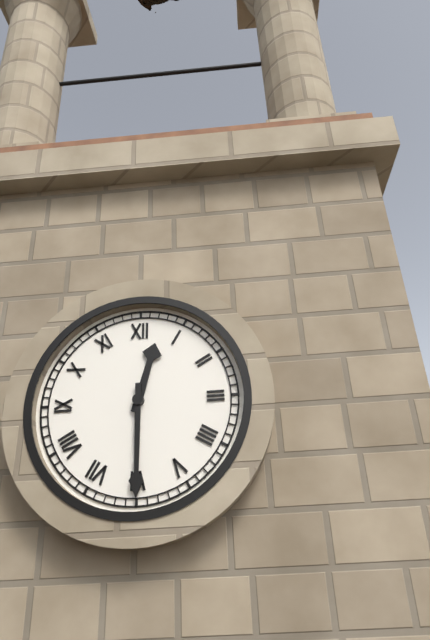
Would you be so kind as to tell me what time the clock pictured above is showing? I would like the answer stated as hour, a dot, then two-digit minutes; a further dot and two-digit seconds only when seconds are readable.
12.30
